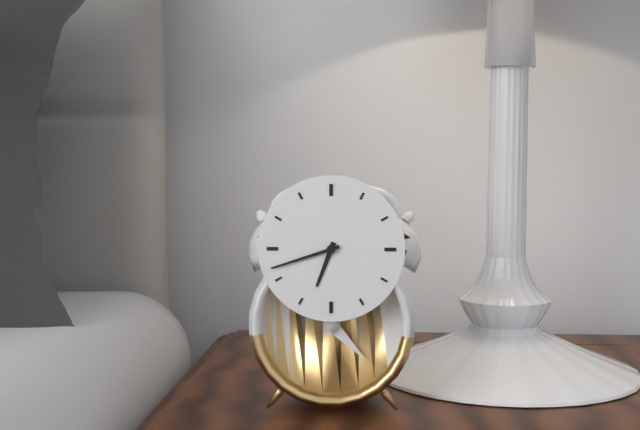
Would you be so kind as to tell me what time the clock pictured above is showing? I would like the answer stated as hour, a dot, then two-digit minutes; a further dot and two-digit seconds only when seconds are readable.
6.42
